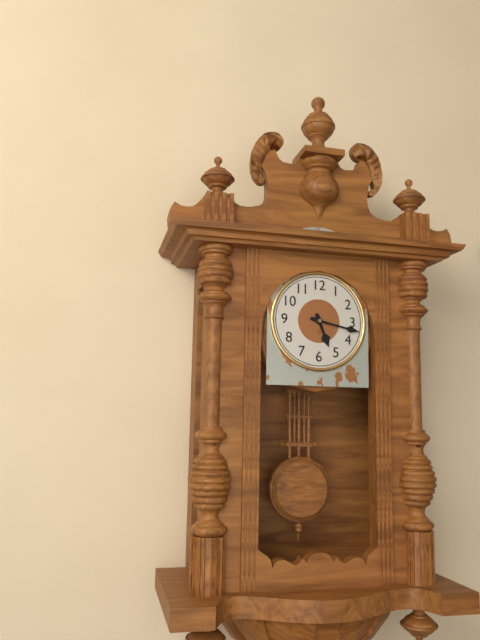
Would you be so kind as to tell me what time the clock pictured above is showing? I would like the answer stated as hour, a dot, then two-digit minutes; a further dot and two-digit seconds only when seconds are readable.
5.17
